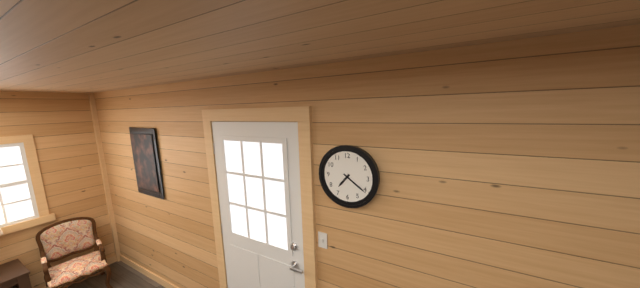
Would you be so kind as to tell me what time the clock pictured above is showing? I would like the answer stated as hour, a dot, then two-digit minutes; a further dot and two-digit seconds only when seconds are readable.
7.21
